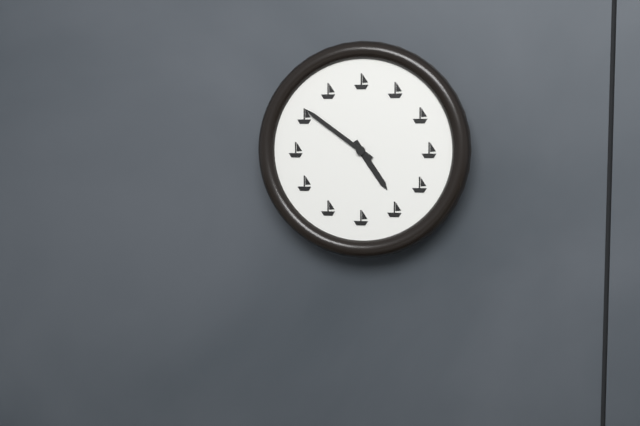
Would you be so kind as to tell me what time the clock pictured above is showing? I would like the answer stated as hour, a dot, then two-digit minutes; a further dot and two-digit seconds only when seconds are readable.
4.51
